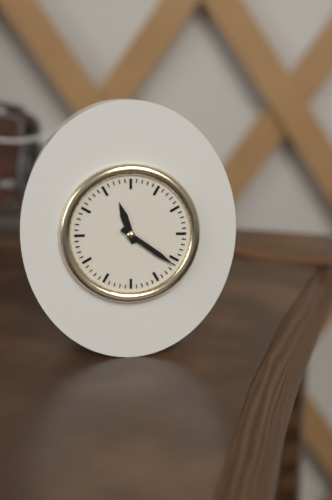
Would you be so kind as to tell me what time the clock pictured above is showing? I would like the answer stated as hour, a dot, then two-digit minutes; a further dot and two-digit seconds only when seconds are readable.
11.21
